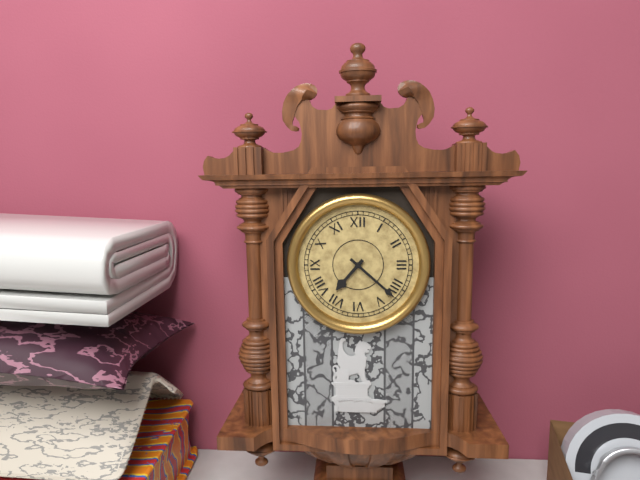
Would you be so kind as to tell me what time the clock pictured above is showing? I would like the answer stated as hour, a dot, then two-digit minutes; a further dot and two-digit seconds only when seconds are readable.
7.22
